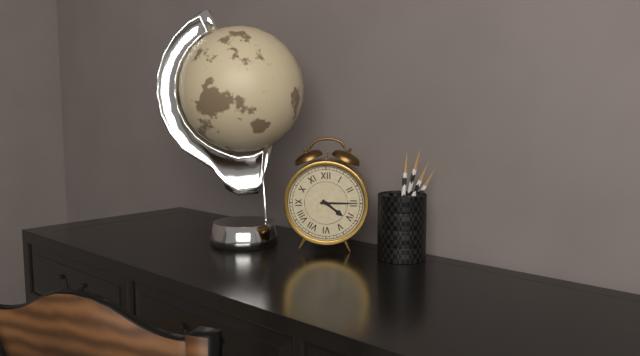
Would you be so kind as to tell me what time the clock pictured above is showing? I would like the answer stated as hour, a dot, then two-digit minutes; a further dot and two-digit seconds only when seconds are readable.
4.15
